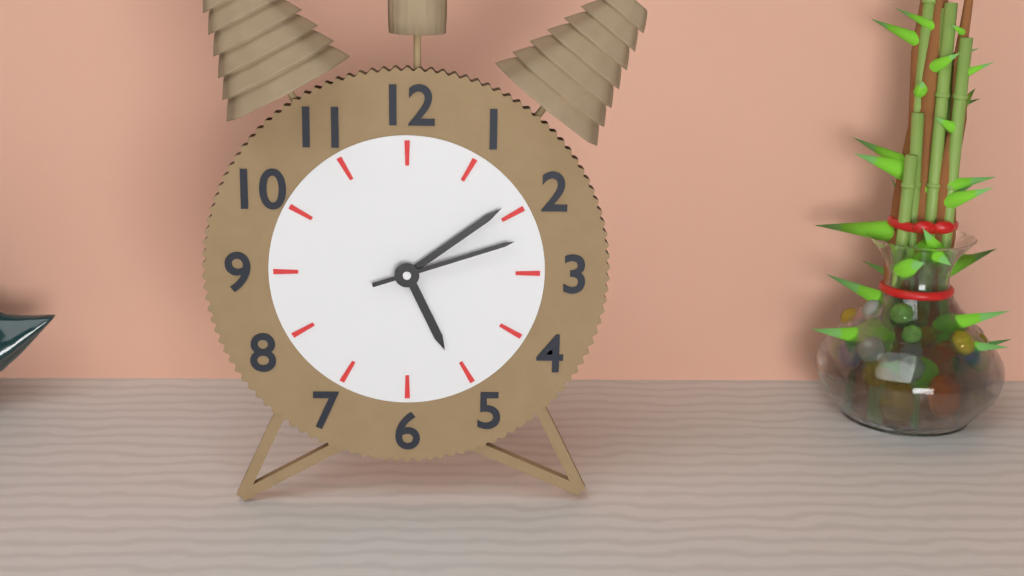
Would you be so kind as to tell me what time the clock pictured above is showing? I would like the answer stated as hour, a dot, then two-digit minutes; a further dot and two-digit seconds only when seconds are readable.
5.09.12
